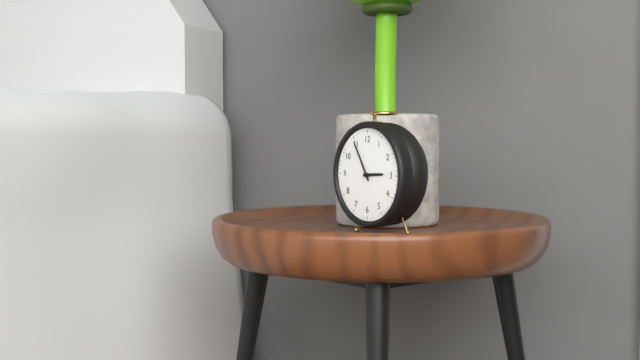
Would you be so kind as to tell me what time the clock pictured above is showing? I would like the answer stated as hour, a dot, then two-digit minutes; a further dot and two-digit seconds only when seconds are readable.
2.55
